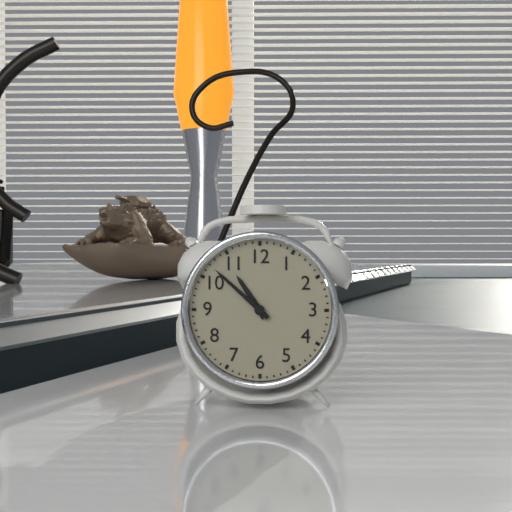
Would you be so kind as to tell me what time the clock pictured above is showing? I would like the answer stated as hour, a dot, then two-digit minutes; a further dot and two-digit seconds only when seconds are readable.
10.52
